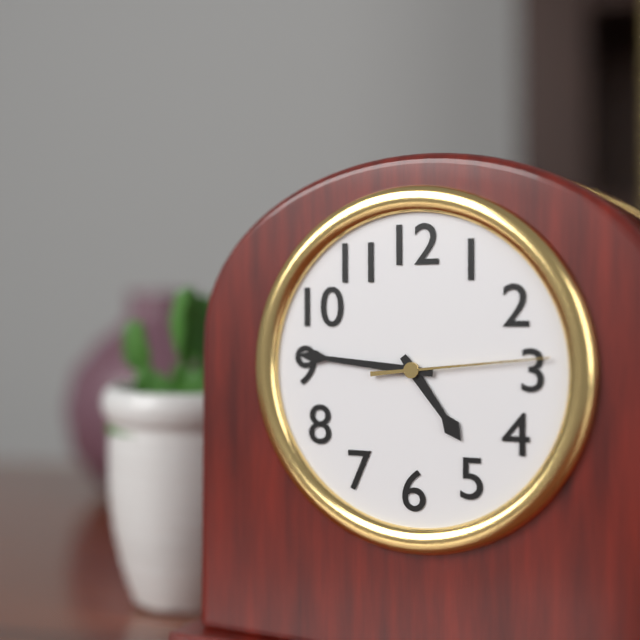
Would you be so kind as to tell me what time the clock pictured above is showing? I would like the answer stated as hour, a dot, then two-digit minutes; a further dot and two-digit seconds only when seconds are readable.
4.46.14
